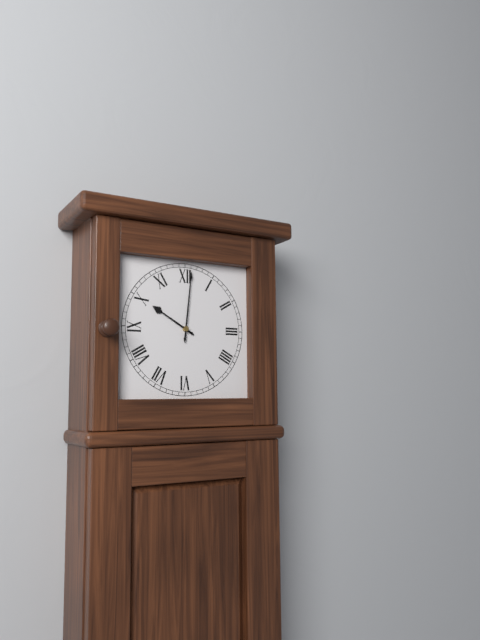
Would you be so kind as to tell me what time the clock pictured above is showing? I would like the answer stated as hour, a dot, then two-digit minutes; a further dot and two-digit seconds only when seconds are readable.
10.01
